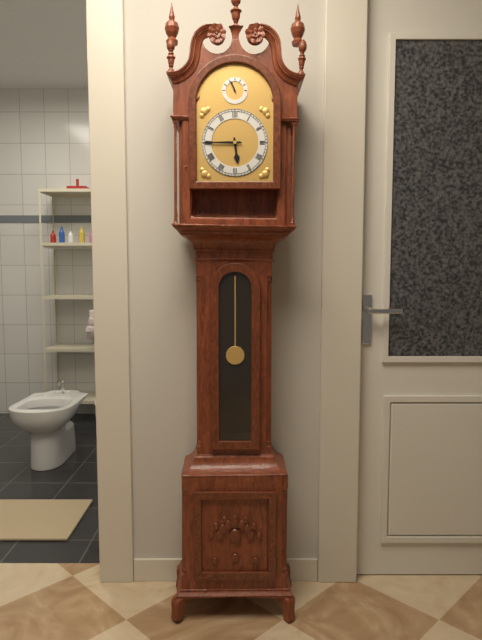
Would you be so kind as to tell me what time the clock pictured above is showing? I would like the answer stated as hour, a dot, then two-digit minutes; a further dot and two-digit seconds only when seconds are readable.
5.45
